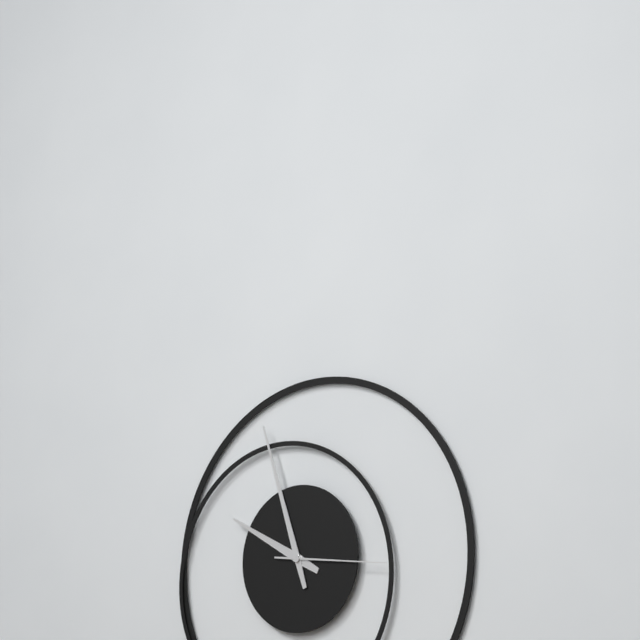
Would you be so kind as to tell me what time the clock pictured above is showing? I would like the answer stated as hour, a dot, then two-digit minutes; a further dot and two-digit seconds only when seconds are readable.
9.57.16
